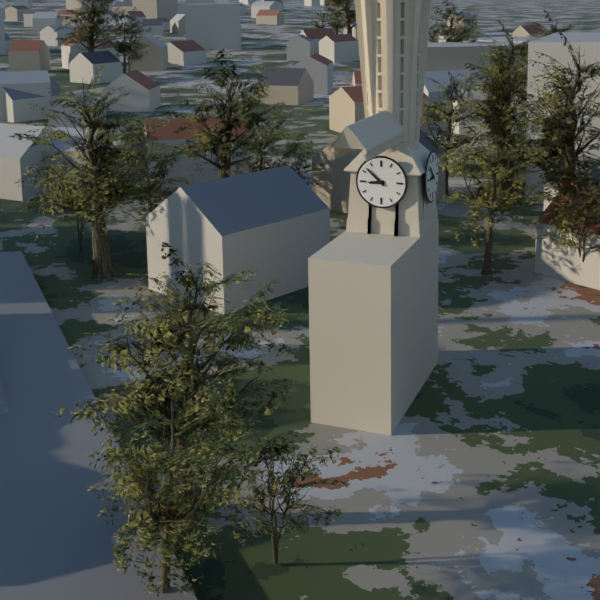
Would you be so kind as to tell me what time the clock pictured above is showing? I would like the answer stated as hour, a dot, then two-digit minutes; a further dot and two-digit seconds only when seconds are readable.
8.52
